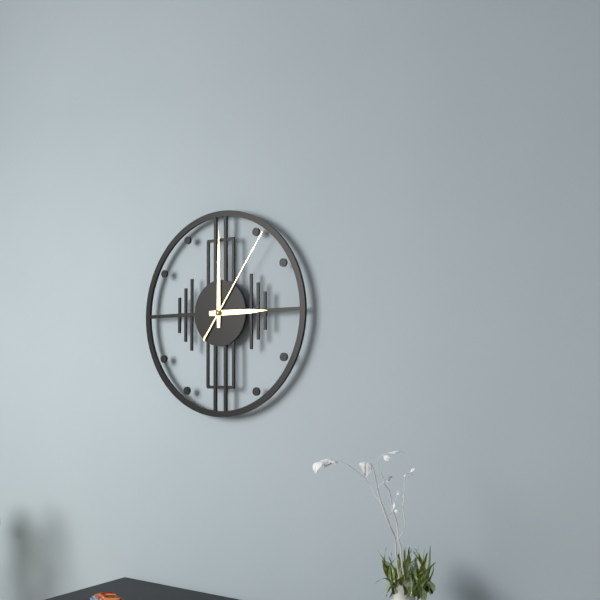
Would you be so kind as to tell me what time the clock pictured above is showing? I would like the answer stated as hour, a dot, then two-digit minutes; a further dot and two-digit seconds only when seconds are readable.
3.00.06
